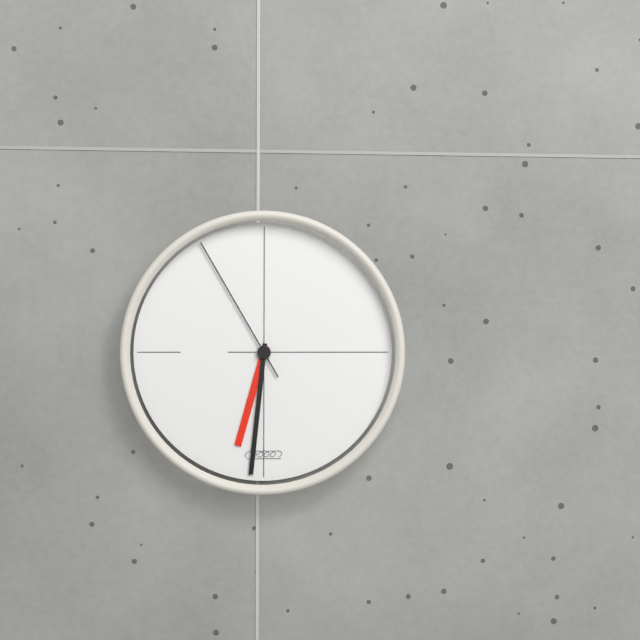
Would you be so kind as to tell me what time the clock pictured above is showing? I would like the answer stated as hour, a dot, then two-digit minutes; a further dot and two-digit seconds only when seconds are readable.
6.31.55
